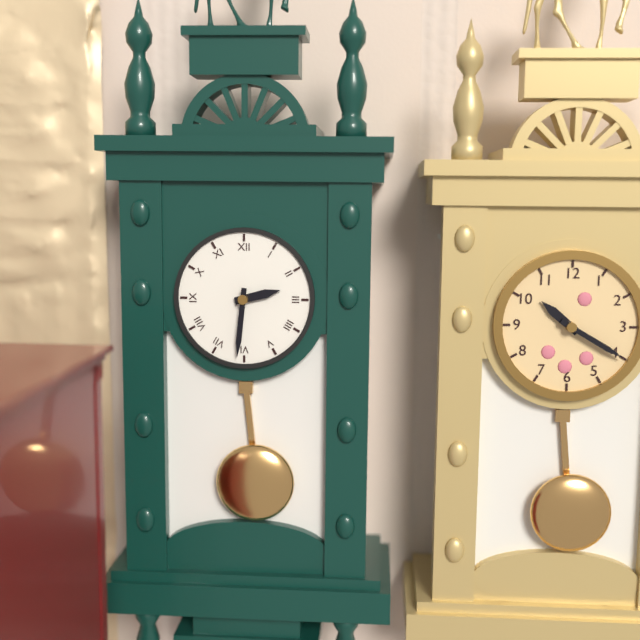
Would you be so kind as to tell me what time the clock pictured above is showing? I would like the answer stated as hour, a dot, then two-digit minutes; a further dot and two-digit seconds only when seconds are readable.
2.31
